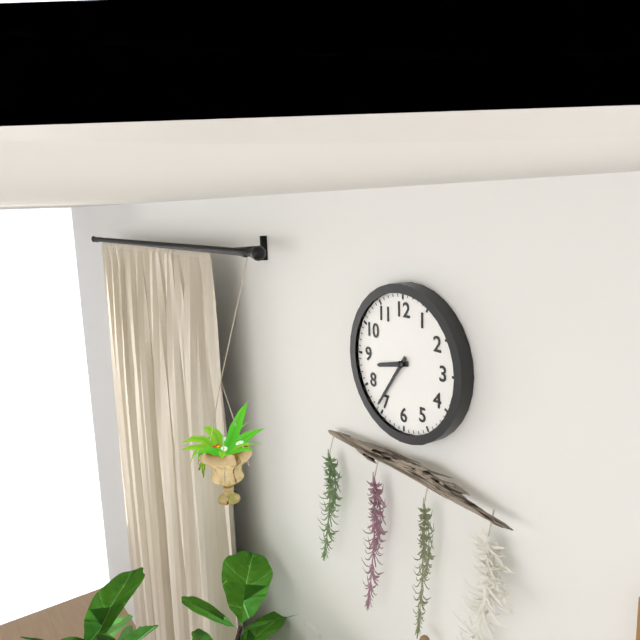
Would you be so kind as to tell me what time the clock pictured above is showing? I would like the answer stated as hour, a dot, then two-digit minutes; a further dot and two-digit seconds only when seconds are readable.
8.36
